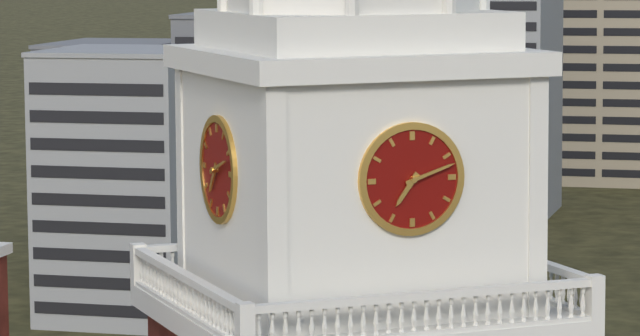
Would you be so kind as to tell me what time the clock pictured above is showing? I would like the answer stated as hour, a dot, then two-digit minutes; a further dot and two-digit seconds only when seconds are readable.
7.12
